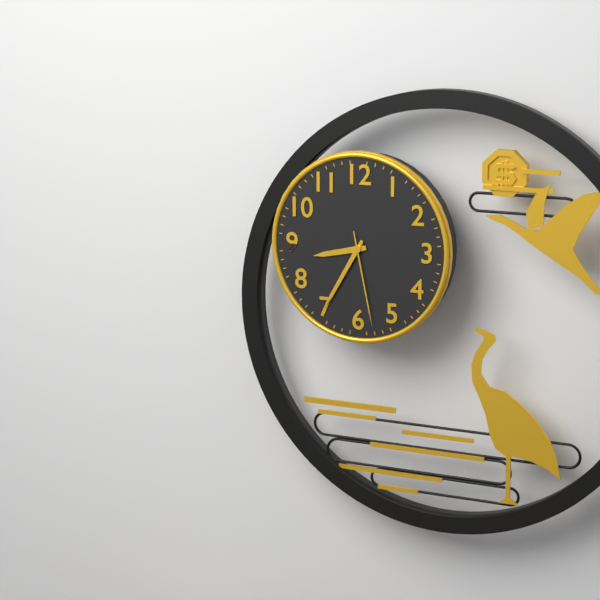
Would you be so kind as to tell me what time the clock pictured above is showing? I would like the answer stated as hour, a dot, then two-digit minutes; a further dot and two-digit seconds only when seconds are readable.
8.35.28
